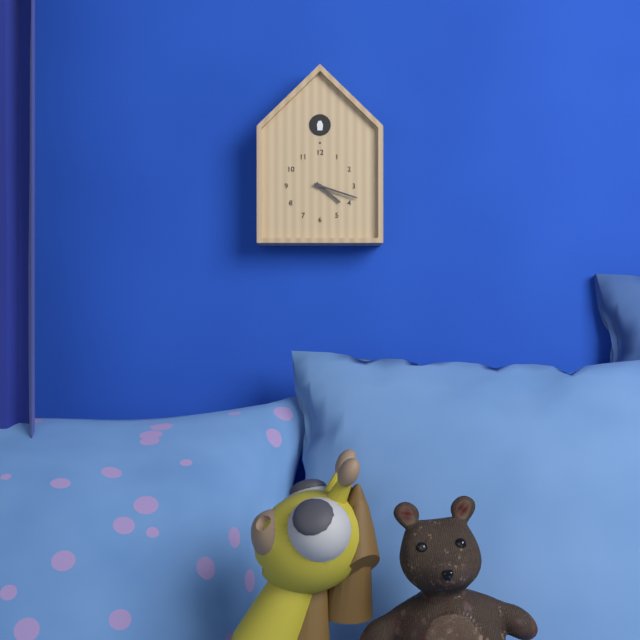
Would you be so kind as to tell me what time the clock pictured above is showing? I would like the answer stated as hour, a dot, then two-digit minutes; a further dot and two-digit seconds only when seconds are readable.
4.18
